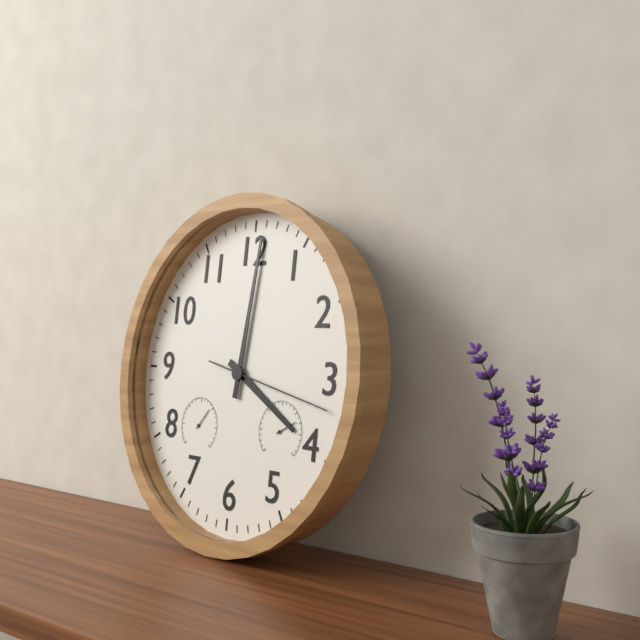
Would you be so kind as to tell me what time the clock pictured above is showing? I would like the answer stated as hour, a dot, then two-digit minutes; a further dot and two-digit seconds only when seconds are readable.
4.01.17
